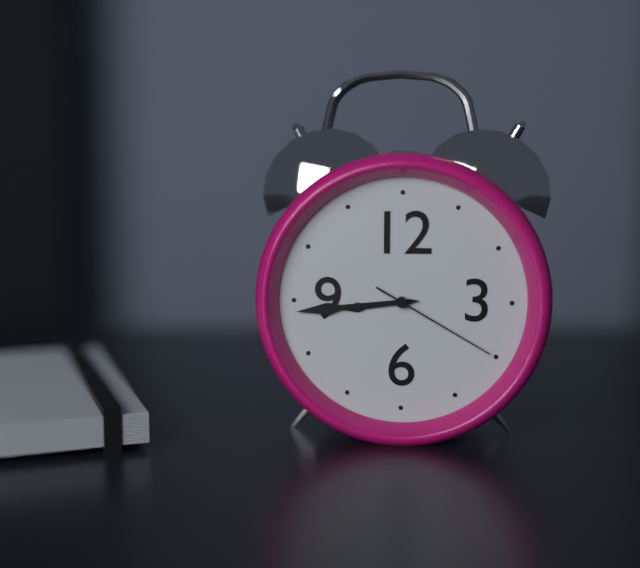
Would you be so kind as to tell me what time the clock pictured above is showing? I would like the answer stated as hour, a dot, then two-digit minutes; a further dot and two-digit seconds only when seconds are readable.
8.44.20
